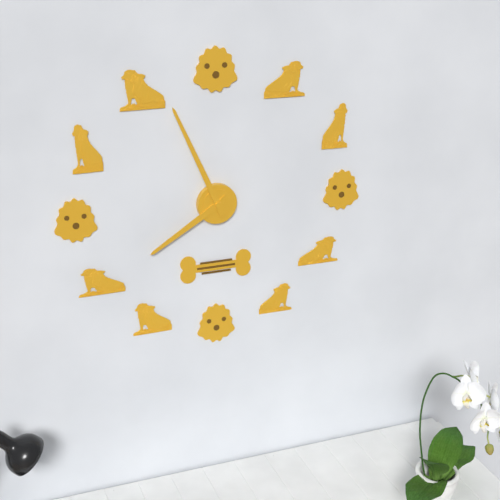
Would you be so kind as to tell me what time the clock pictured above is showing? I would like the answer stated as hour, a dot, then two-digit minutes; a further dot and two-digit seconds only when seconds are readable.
7.56
